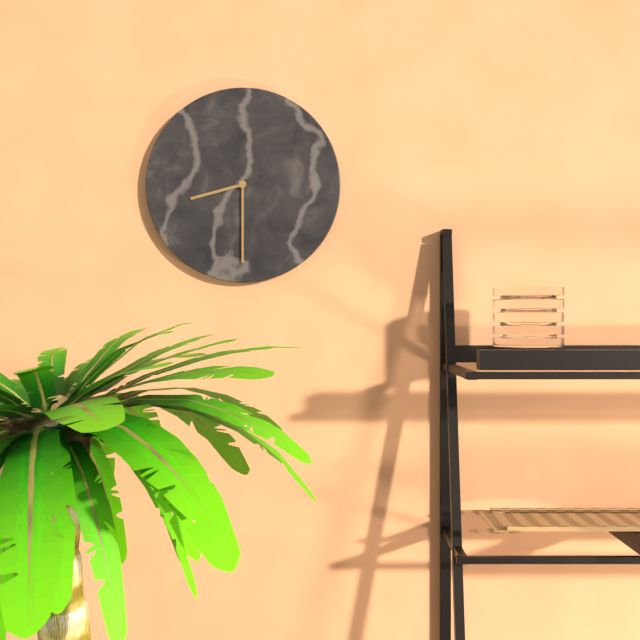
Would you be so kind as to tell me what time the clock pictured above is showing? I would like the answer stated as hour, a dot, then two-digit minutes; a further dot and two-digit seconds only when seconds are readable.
8.30
